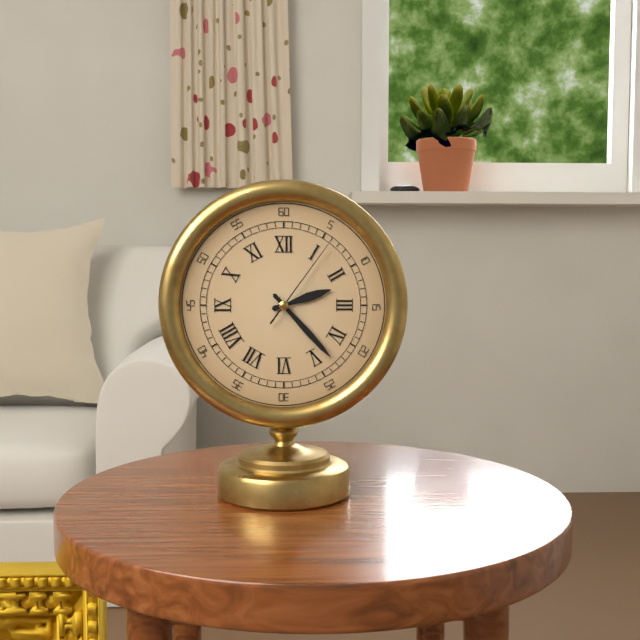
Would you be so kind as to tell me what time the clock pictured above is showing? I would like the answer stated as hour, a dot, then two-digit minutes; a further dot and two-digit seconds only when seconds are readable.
2.23.06
